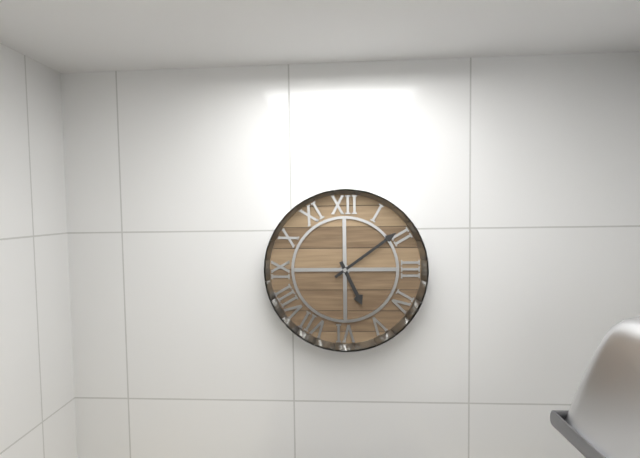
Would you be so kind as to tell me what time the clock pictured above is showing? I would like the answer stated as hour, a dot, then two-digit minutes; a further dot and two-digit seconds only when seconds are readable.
5.09
